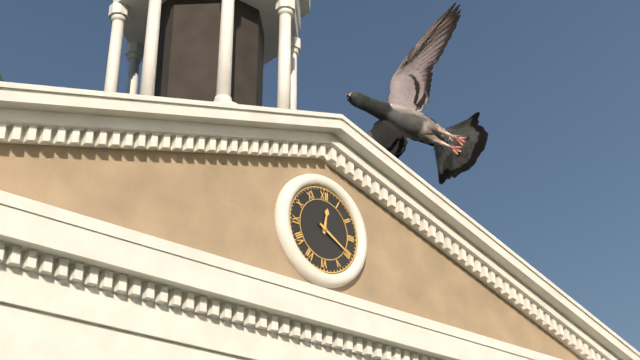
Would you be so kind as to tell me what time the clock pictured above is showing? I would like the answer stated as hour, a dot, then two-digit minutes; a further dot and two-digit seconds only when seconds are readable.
12.20
